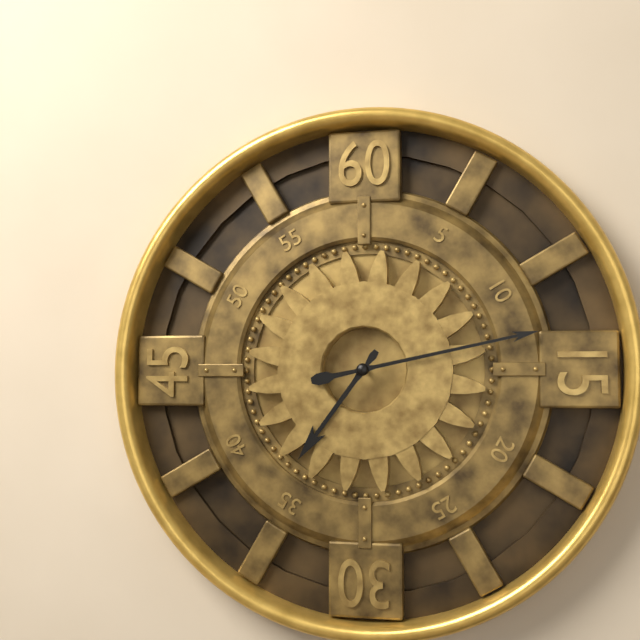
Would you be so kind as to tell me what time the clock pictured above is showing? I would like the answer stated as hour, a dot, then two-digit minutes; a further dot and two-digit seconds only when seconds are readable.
7.13
